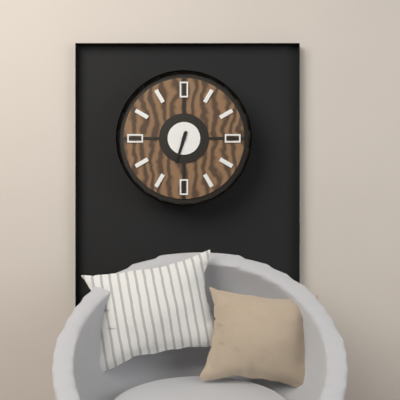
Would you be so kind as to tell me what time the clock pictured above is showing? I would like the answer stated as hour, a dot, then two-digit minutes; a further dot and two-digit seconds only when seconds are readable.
6.33
